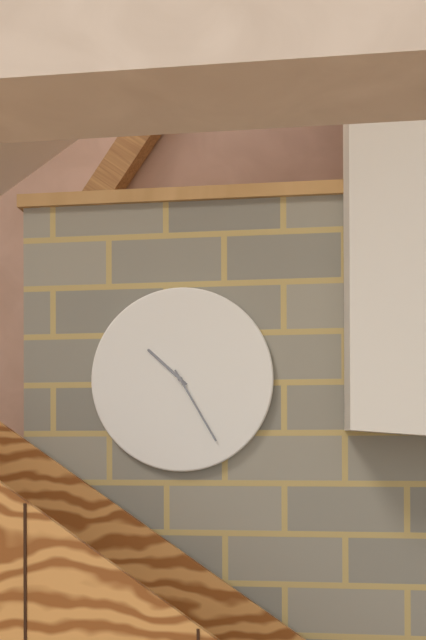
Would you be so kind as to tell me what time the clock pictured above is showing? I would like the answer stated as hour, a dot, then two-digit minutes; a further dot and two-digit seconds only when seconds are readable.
10.25
